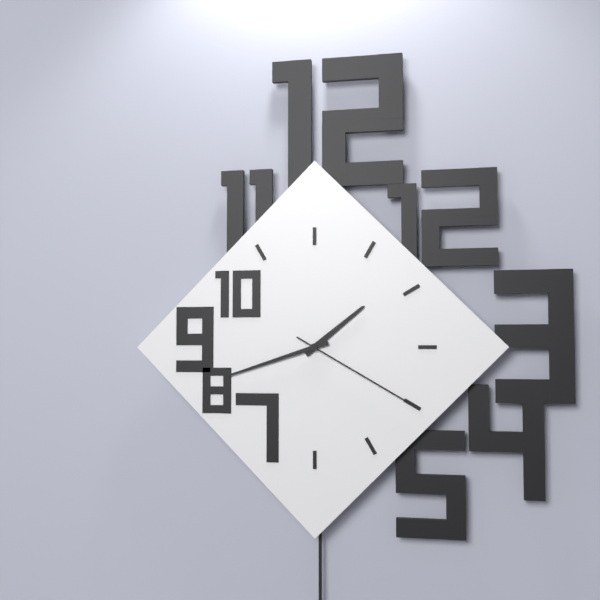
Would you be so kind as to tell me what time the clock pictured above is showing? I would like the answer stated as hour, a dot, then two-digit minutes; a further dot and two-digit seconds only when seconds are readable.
1.42.20
